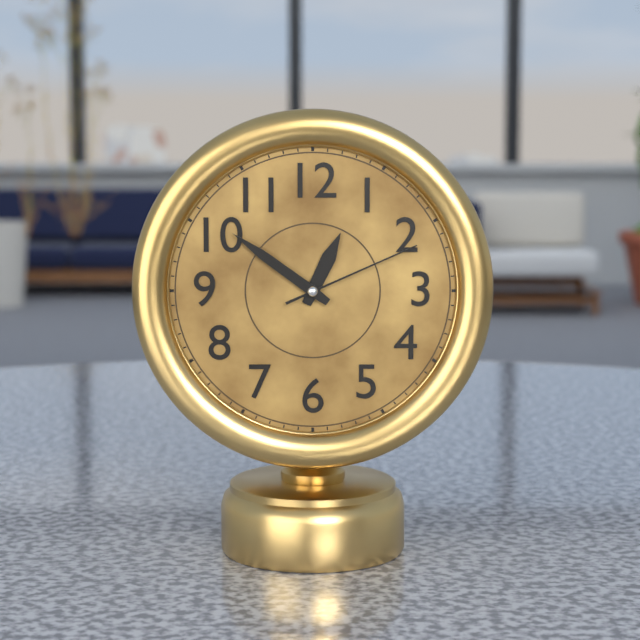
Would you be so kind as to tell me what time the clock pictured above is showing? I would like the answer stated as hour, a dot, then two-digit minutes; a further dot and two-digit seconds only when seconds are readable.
12.51.11
